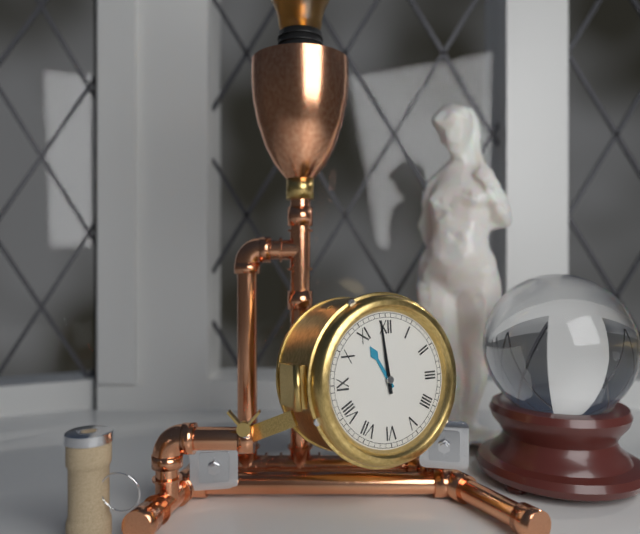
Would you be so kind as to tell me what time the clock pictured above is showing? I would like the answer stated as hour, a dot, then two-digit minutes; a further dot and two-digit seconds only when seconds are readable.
10.59
